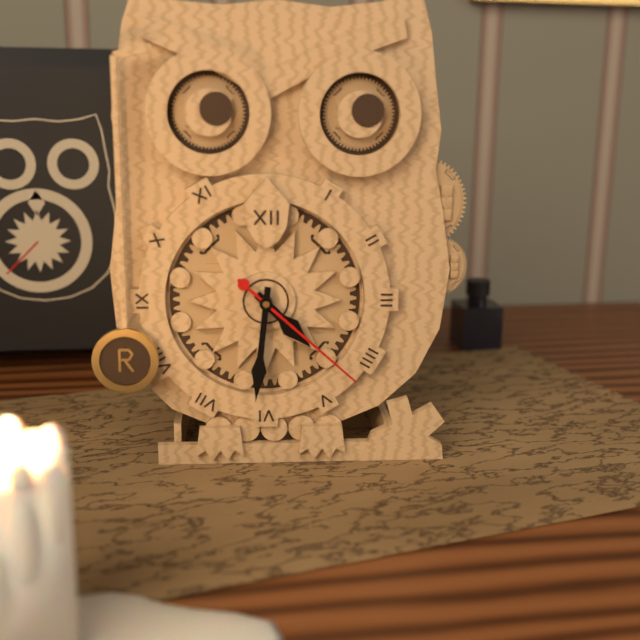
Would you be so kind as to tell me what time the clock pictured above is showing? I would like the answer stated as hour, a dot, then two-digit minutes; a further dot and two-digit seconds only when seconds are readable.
4.31.22
